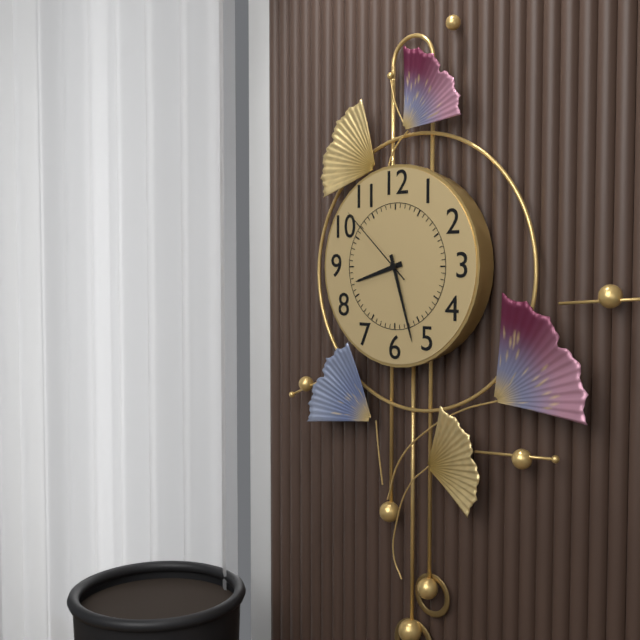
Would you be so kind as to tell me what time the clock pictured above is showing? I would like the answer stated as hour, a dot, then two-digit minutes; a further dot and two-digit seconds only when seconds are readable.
8.27.52
